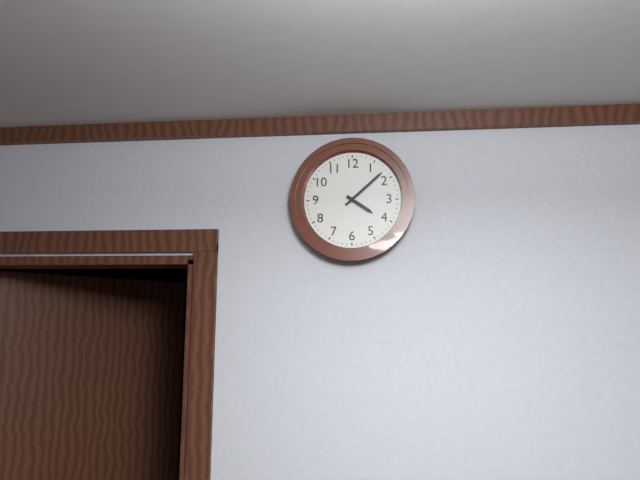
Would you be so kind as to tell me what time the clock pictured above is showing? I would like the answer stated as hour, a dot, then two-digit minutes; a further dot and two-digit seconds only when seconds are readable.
4.08
